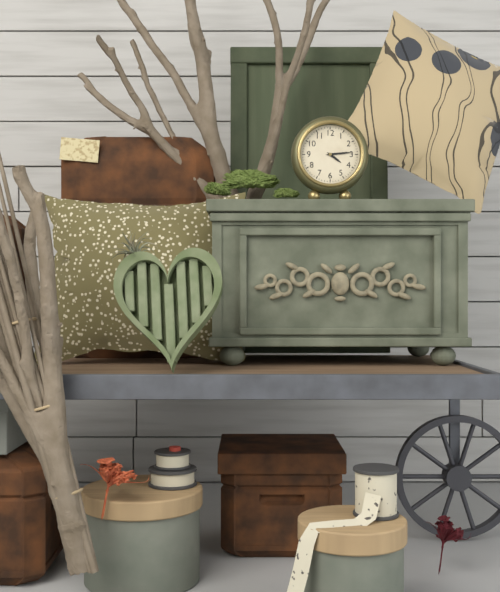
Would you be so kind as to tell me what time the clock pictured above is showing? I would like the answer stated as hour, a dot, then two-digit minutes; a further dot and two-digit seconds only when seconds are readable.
4.14
